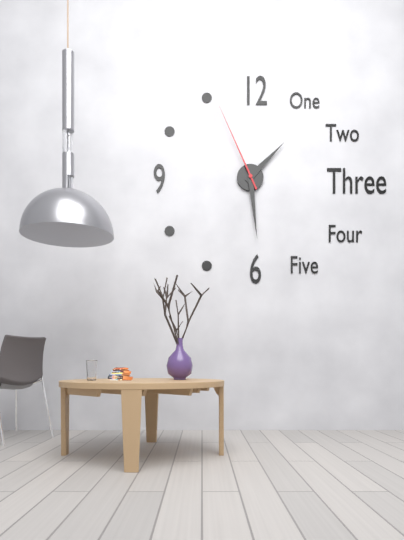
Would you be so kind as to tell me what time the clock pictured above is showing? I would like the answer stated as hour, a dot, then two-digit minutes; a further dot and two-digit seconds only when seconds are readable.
1.29.56
